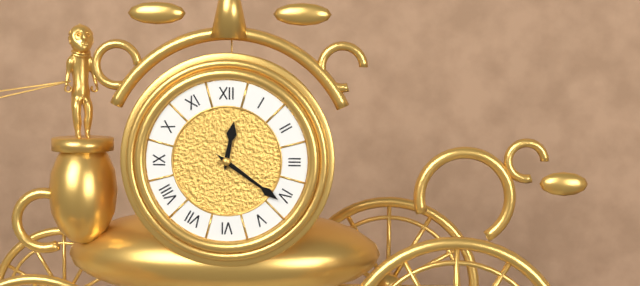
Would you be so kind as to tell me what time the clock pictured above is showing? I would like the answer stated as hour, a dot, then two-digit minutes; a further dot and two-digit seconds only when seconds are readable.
12.21
